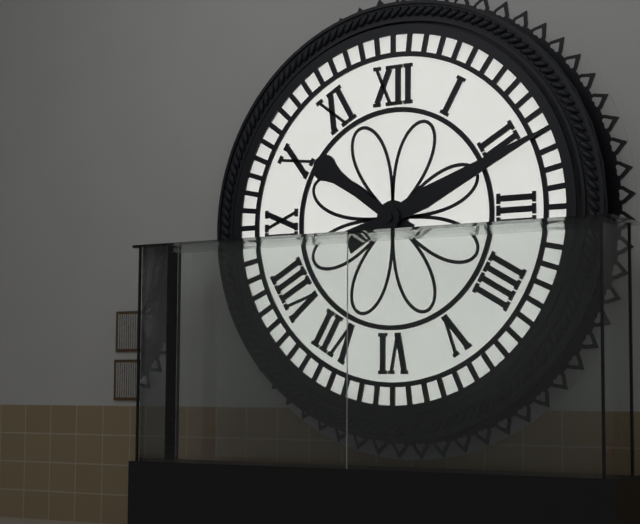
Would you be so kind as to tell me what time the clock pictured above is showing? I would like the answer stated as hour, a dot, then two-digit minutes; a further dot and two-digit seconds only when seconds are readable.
10.11
